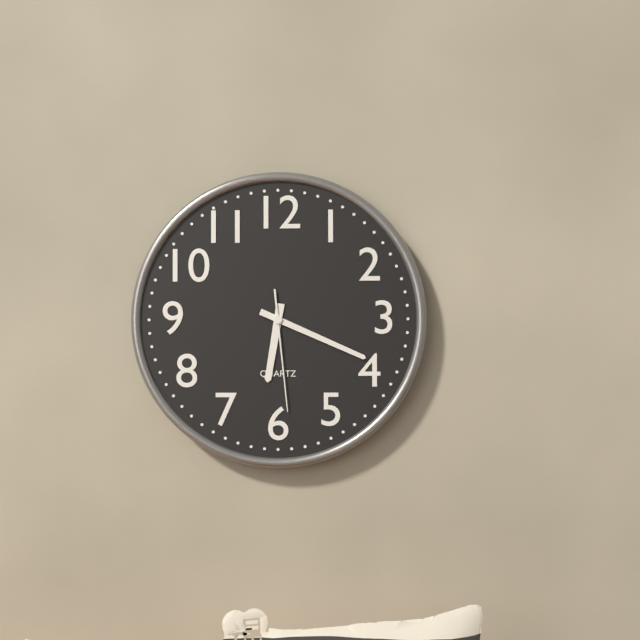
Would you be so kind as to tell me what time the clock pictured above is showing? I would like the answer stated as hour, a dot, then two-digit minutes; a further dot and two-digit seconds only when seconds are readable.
6.19.29
